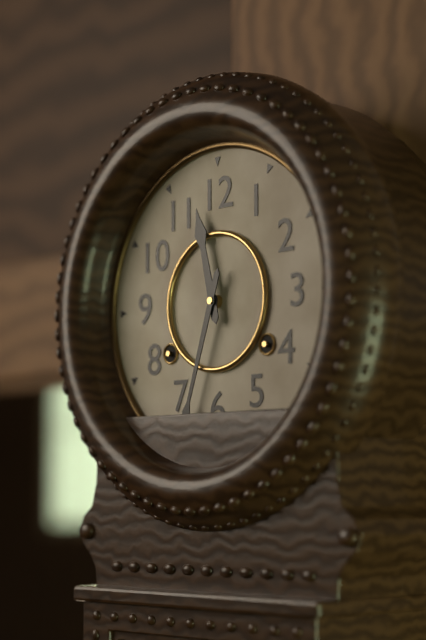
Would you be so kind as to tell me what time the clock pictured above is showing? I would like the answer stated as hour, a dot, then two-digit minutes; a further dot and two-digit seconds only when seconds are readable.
11.33
